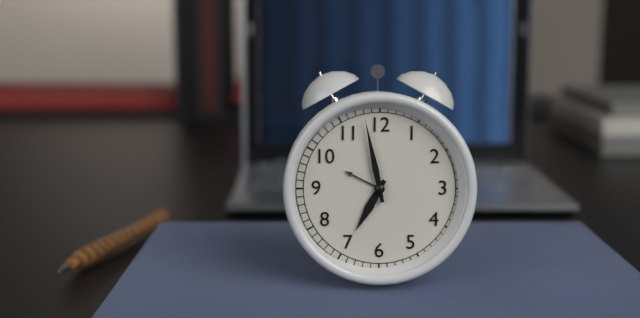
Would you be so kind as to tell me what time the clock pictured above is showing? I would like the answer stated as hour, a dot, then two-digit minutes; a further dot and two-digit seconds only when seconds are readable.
6.58
